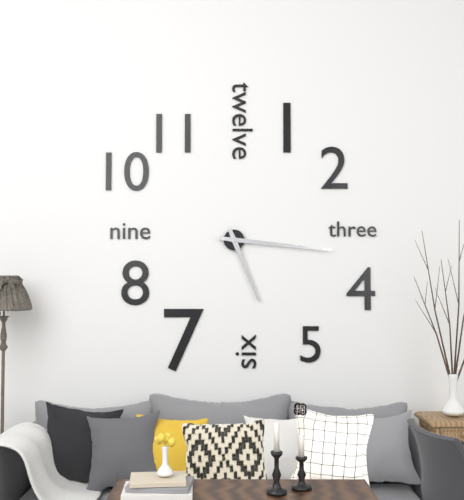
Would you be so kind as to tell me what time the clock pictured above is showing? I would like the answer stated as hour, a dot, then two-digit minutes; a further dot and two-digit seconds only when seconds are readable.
5.16
